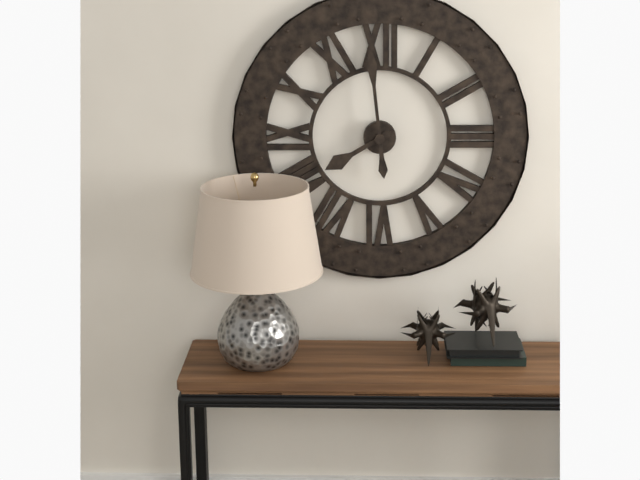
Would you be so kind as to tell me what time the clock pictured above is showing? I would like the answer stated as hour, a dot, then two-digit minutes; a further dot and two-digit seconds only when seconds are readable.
7.59
